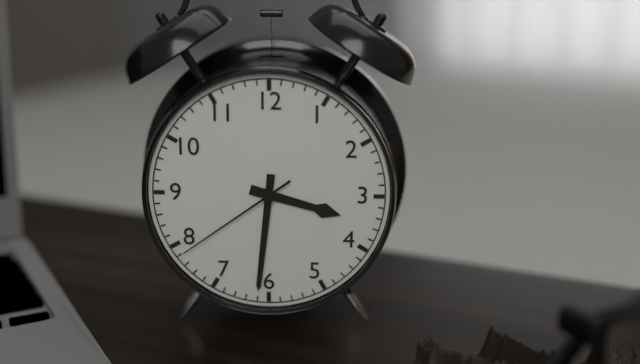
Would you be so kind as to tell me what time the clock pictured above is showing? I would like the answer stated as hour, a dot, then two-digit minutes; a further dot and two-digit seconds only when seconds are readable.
3.31.39
